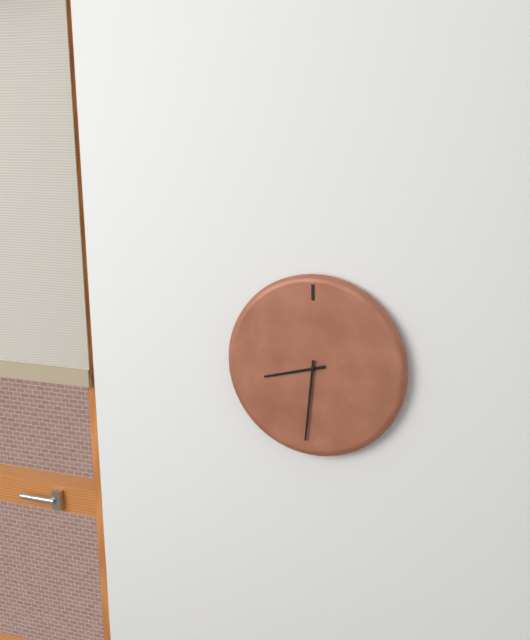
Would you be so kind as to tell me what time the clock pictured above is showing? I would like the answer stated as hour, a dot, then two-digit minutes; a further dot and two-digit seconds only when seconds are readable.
8.31
